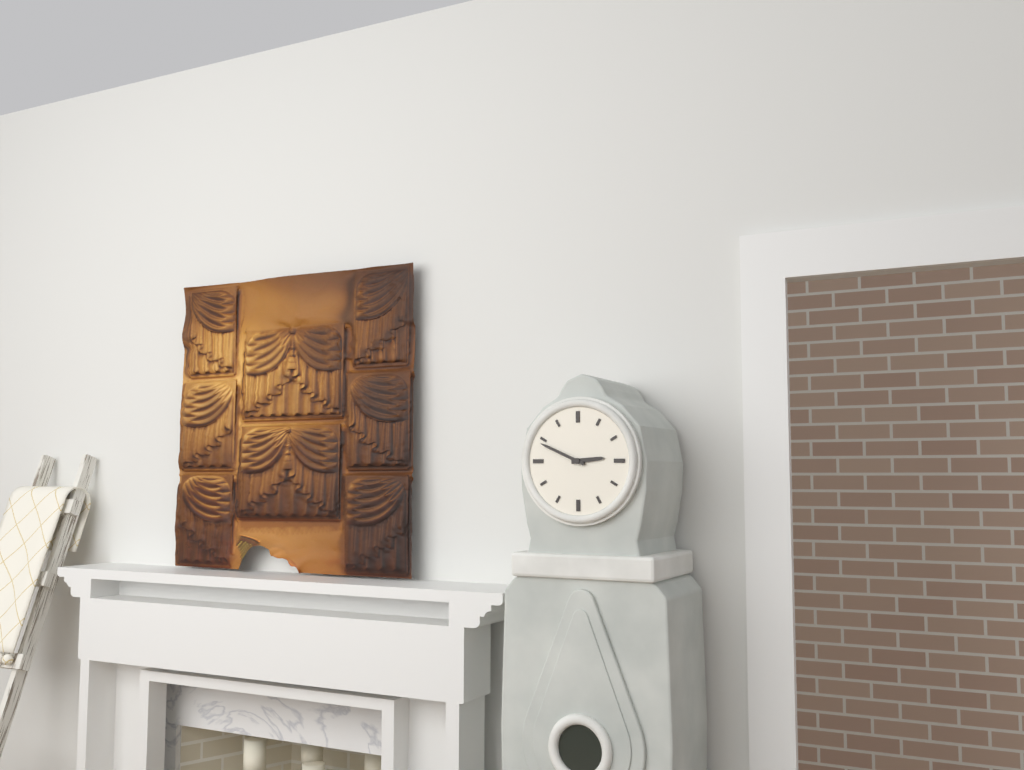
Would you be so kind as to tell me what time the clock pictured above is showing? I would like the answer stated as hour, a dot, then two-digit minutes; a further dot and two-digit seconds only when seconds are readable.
2.49
